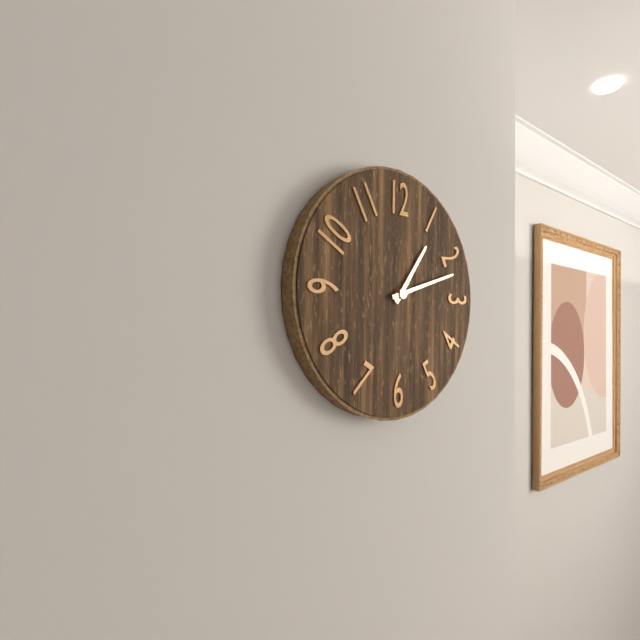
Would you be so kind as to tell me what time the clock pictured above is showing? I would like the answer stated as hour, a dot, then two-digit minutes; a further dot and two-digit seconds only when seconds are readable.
1.12
